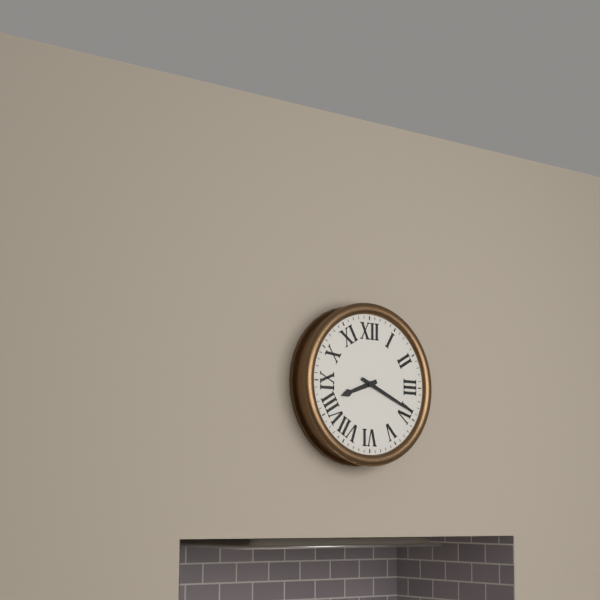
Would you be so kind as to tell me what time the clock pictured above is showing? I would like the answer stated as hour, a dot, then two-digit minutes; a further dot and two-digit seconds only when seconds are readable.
8.19
